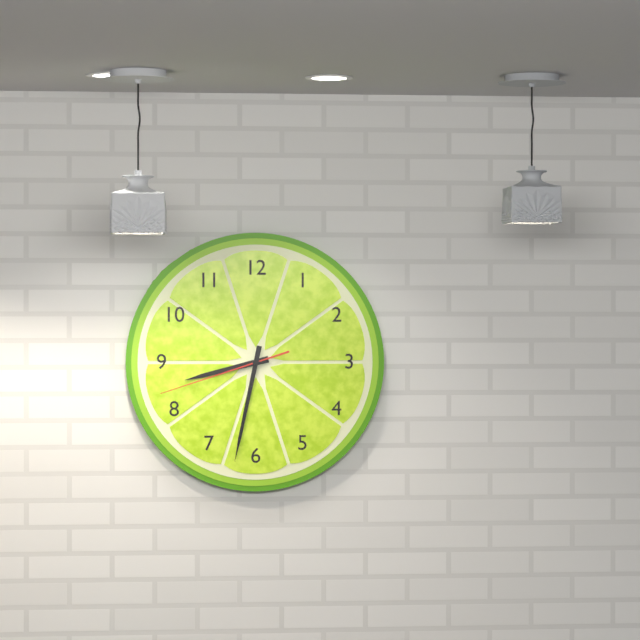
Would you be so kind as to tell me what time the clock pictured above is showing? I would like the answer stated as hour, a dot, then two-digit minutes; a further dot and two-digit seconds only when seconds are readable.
8.32.42
